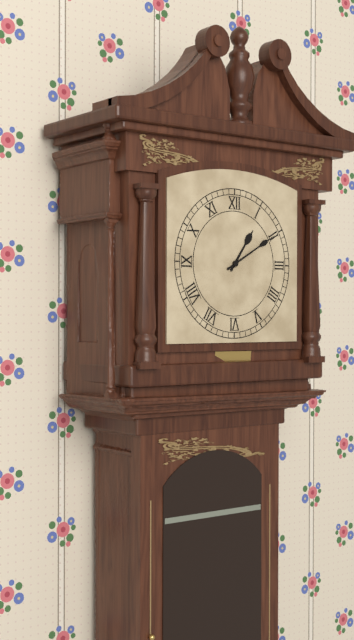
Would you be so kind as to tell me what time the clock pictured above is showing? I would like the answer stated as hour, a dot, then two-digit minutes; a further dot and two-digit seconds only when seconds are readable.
1.10
